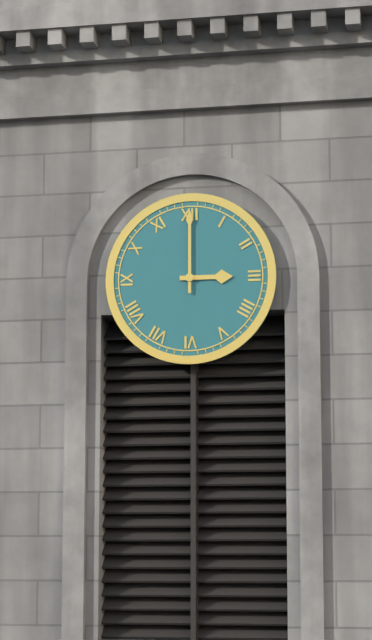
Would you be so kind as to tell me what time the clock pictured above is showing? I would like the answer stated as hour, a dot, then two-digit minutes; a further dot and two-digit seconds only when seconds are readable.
3.00
